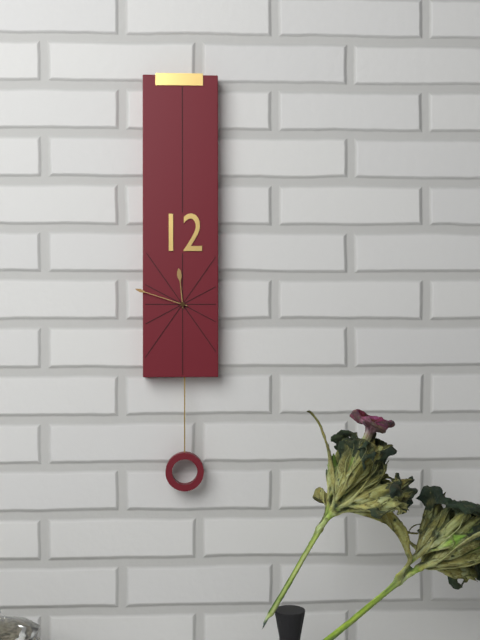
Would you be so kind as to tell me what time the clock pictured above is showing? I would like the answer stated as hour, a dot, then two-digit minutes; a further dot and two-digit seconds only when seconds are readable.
11.48
